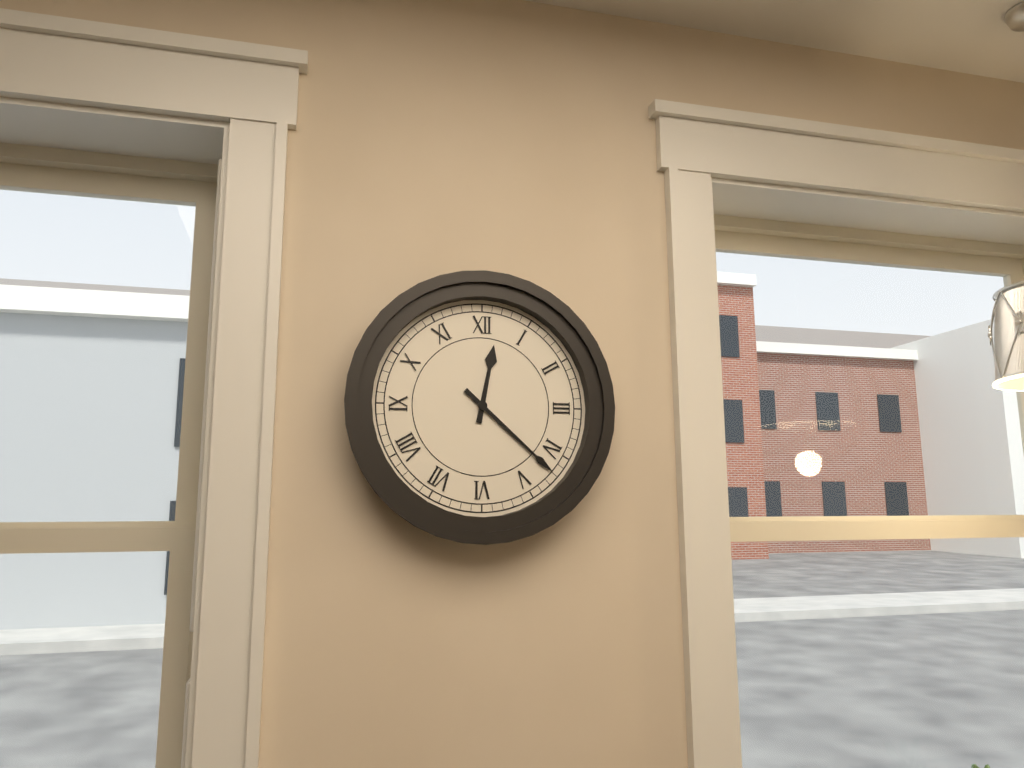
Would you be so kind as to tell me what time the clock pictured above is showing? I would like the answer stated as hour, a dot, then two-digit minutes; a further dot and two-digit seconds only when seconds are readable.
12.22
